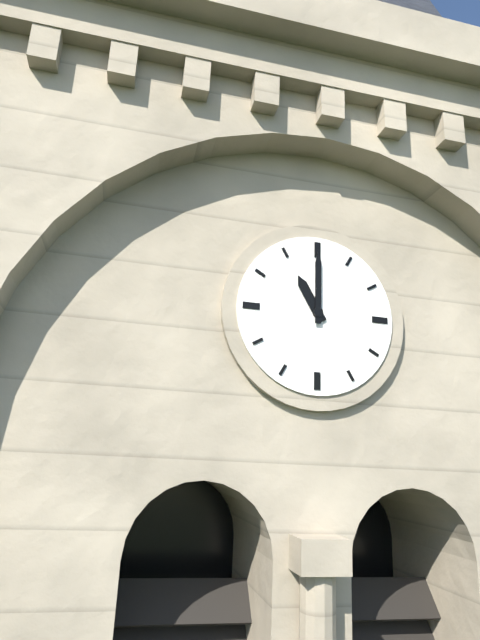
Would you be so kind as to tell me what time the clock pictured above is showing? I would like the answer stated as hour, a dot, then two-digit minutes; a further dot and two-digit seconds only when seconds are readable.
11.00
